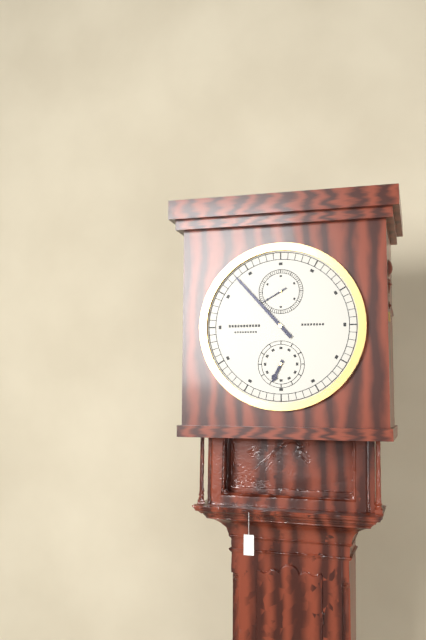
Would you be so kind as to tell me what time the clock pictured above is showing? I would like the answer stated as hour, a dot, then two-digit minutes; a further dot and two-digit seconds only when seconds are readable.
6.53
